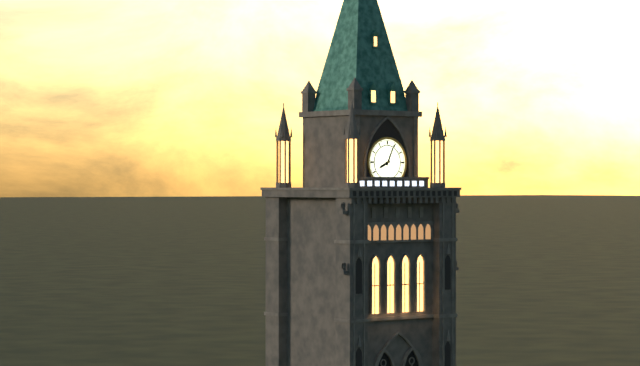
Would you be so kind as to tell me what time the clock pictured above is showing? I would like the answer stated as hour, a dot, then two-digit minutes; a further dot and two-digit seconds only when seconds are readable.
8.04
